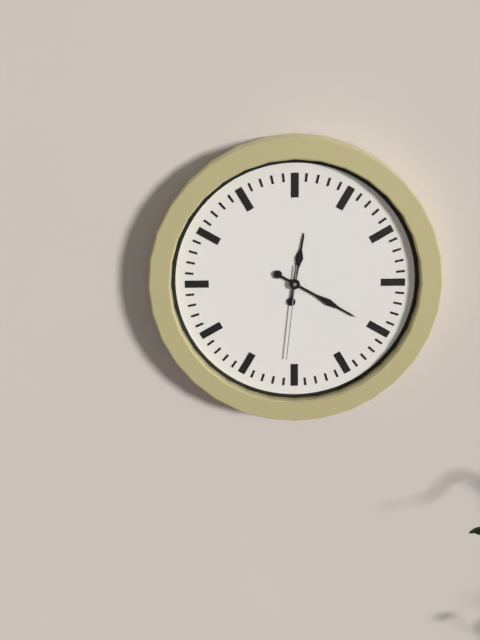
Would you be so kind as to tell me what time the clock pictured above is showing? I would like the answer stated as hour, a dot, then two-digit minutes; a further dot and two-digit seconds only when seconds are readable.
12.20.31
